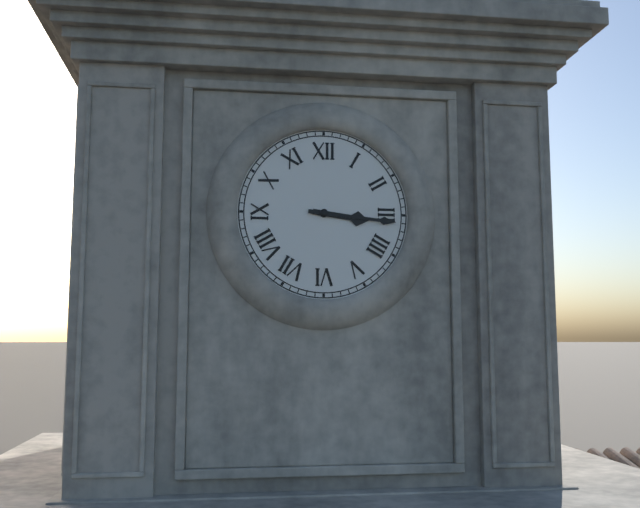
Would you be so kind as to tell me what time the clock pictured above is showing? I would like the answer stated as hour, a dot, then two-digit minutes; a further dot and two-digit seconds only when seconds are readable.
3.16
